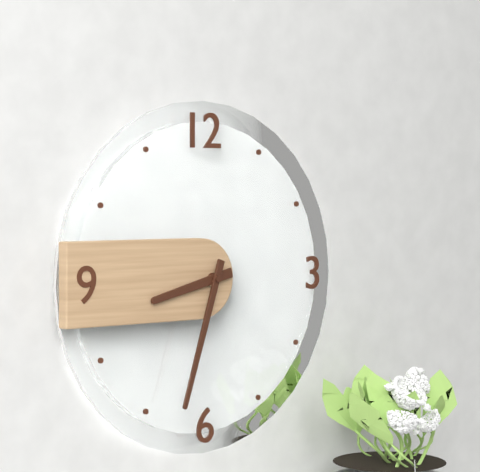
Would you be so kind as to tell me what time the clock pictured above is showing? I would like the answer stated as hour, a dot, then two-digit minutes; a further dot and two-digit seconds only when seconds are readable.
8.33
